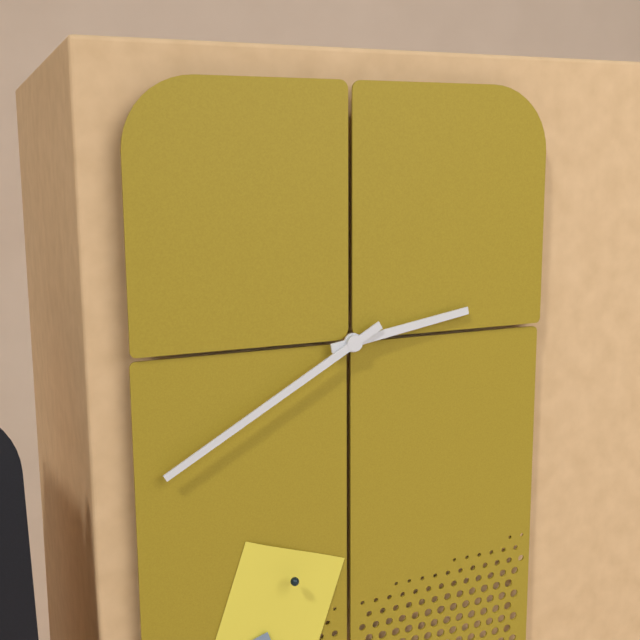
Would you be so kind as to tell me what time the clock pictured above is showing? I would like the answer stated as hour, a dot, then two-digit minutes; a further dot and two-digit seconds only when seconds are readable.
2.40
